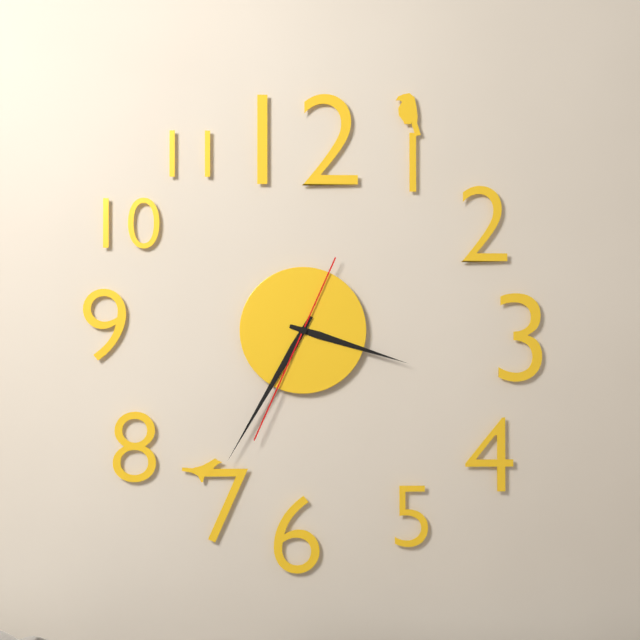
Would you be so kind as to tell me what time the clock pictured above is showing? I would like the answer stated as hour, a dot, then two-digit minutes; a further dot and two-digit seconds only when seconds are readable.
3.35.34
